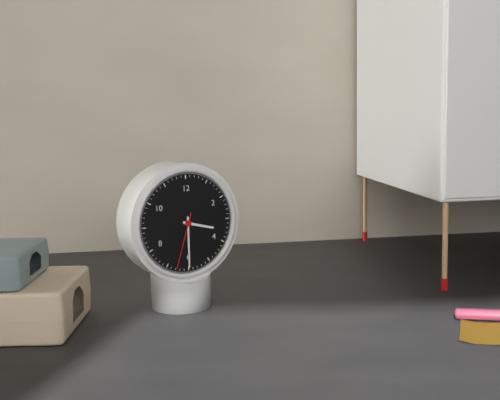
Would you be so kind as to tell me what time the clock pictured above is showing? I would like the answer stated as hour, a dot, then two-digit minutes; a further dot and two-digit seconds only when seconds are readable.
3.30.33
